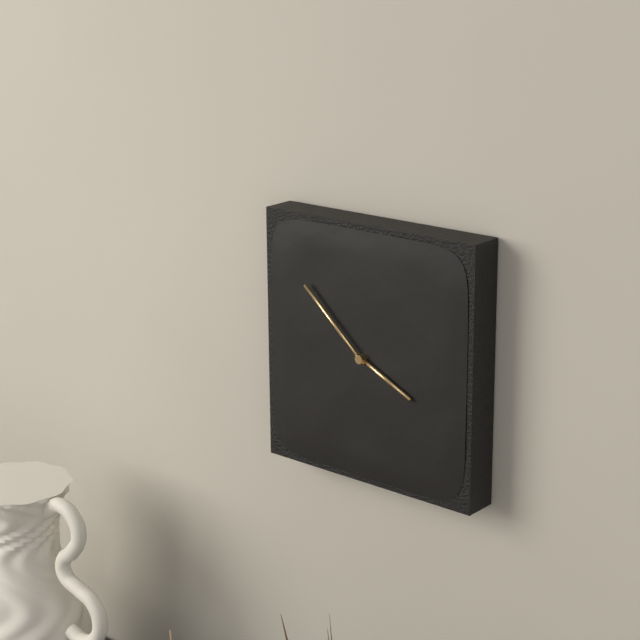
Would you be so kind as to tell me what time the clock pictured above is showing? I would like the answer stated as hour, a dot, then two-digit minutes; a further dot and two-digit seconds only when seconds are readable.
3.52
